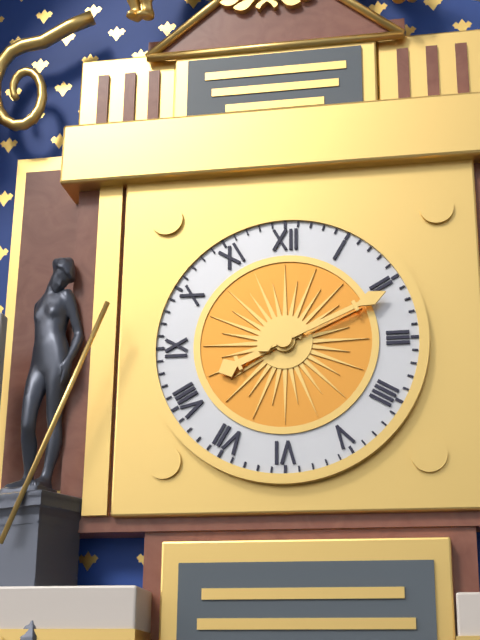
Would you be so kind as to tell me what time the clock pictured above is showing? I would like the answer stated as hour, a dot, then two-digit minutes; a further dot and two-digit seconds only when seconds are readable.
8.11
